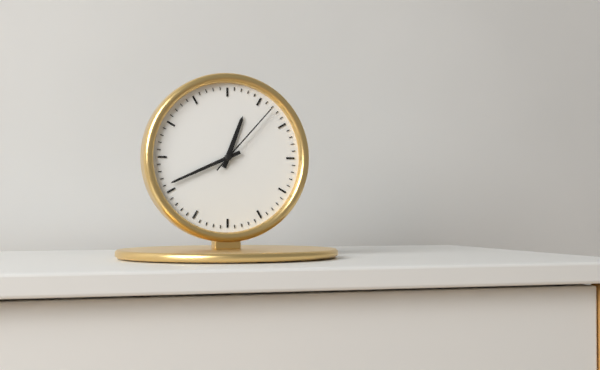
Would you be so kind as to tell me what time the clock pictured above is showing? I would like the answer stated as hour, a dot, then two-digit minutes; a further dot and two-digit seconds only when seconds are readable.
12.41.07
